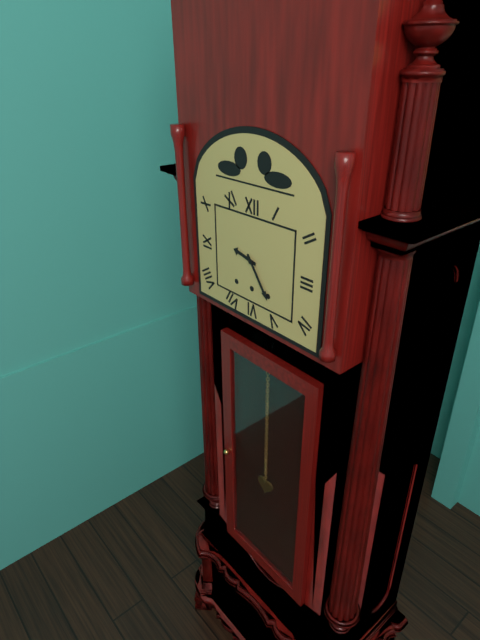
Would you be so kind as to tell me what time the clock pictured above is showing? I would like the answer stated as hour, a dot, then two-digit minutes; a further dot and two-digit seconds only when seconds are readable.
9.24
